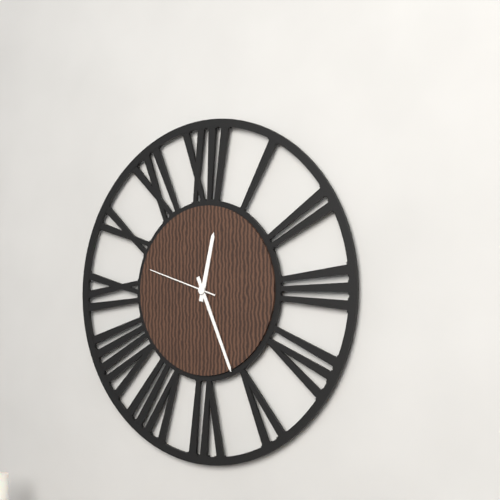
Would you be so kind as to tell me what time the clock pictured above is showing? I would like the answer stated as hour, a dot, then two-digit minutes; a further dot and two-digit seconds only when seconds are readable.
12.26.48
